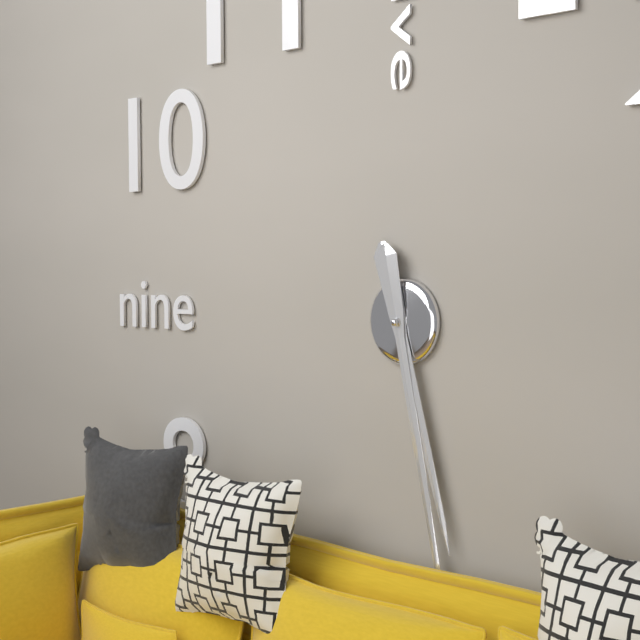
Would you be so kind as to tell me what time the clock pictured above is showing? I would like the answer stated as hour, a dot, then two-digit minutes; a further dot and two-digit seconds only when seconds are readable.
5.28
